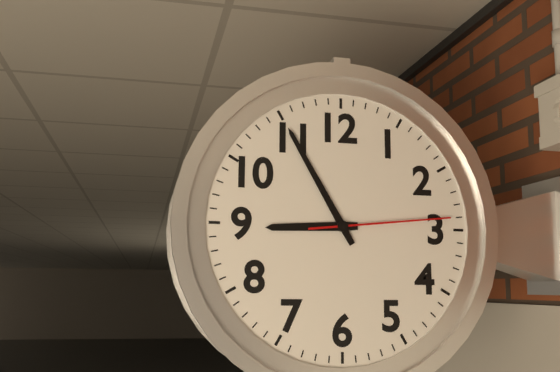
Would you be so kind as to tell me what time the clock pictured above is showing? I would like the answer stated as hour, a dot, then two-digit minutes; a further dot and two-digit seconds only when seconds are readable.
8.55.14
